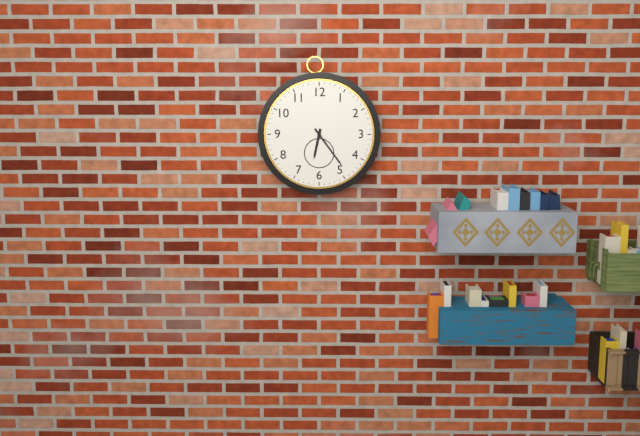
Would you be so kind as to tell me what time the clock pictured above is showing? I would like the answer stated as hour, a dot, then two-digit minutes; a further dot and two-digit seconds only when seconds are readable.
6.24
